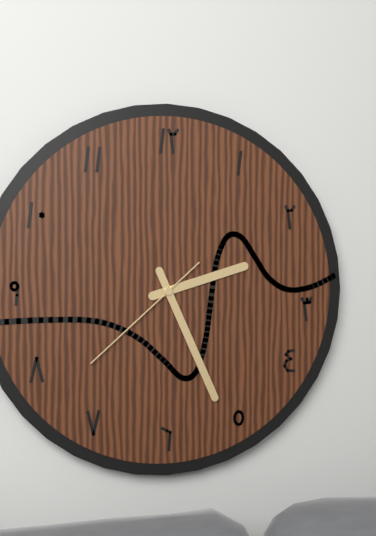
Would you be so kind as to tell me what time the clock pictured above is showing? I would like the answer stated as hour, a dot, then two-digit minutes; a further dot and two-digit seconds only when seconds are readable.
2.26.38
